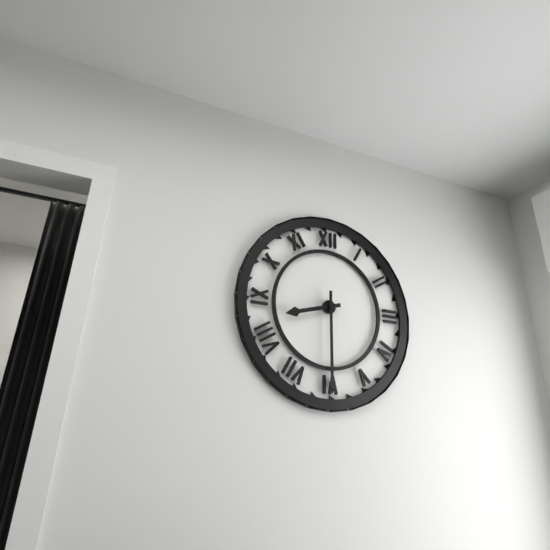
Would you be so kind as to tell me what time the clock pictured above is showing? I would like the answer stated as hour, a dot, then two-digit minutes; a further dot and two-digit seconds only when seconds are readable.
8.30
